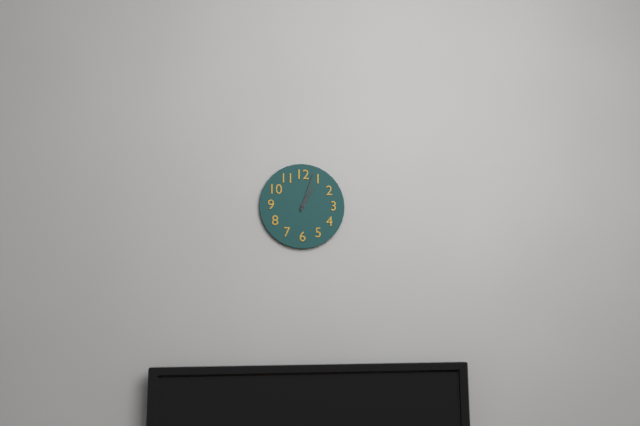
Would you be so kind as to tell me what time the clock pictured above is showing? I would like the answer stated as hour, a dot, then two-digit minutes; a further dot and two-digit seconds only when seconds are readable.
1.03
